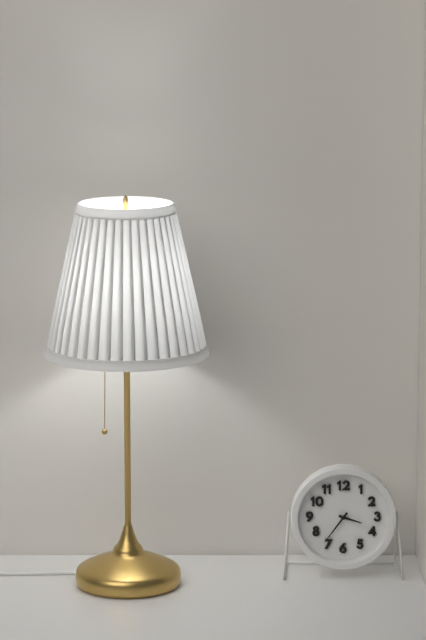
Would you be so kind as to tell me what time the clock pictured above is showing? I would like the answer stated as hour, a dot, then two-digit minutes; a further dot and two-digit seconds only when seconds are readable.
3.36
